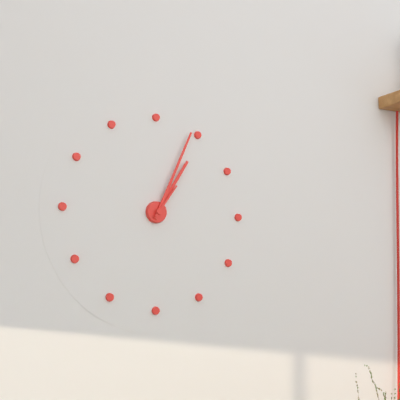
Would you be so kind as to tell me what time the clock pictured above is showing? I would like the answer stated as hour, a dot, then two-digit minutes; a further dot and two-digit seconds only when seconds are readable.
1.04
